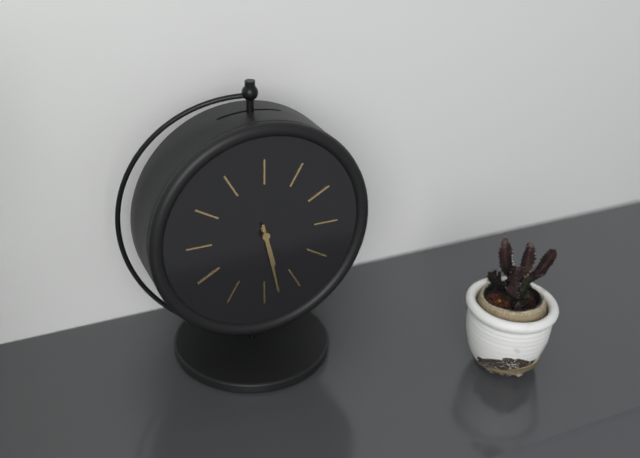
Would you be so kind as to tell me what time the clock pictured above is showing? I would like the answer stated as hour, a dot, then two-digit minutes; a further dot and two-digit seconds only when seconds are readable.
5.28
